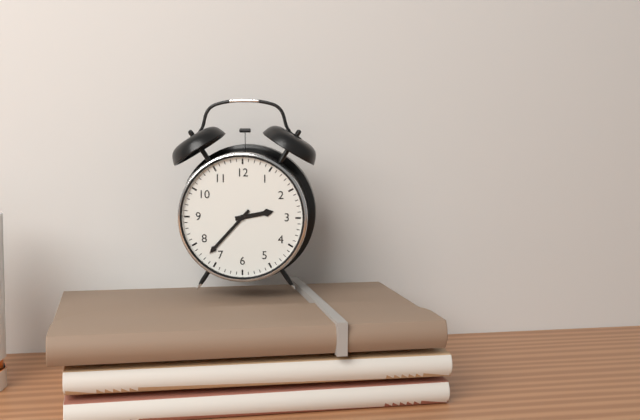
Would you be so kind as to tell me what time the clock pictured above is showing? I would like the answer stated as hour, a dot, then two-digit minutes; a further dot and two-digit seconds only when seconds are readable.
2.37
